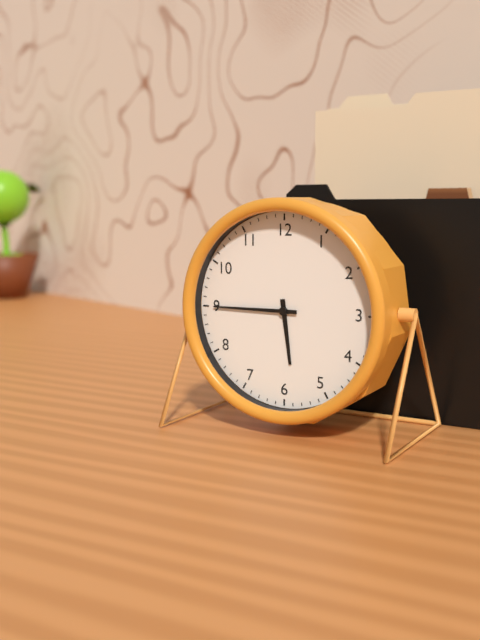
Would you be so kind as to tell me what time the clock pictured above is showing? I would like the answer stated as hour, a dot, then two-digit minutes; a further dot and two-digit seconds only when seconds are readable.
5.45
